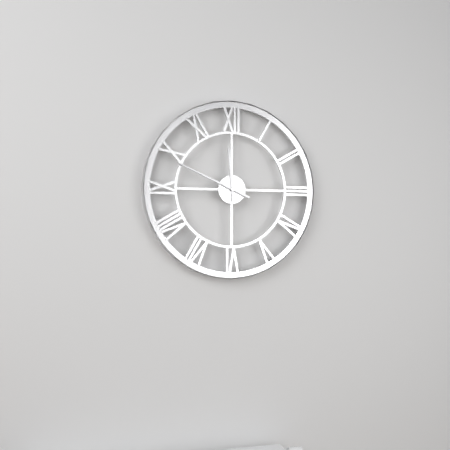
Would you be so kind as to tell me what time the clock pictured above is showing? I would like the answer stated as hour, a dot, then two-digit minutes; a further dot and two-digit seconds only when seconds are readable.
11.49
